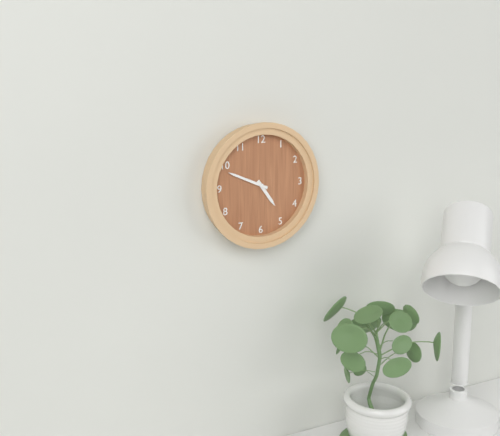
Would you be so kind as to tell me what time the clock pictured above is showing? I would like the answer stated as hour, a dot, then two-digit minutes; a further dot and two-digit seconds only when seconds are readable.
4.49
